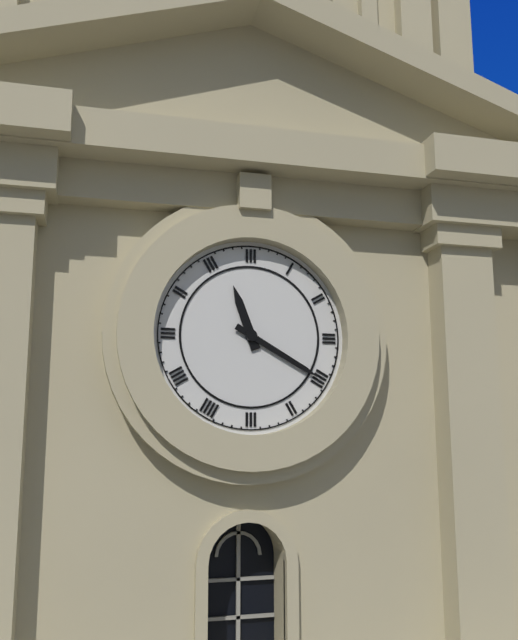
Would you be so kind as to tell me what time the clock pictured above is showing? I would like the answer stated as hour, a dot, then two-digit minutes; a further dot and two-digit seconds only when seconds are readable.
11.20
